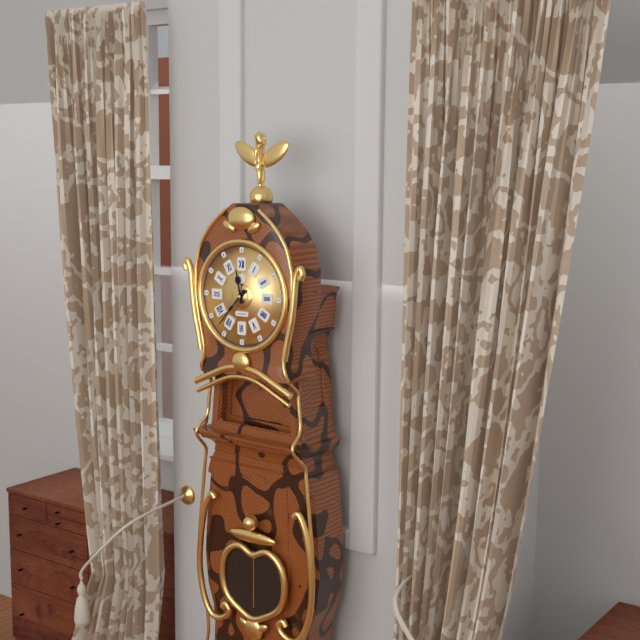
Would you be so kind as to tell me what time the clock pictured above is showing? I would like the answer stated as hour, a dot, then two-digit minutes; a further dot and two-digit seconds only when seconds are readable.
11.37
